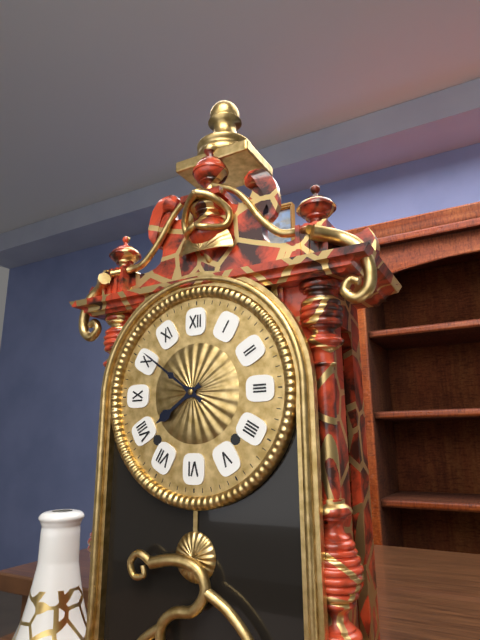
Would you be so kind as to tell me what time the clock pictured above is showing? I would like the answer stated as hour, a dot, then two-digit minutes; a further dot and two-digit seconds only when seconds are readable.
7.51
